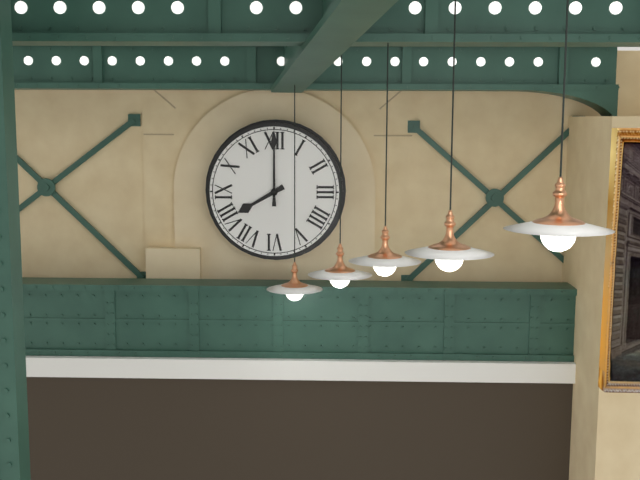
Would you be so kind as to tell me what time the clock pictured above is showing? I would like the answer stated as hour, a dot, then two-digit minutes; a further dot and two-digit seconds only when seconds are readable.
8.00
